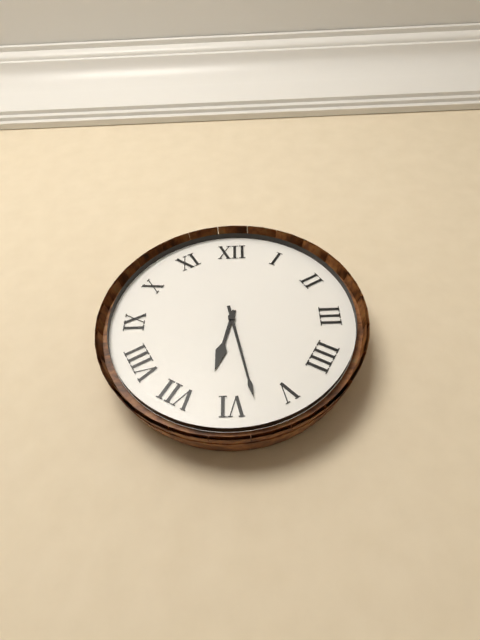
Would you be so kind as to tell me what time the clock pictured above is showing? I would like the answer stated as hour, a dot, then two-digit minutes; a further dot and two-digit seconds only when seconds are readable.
6.28
